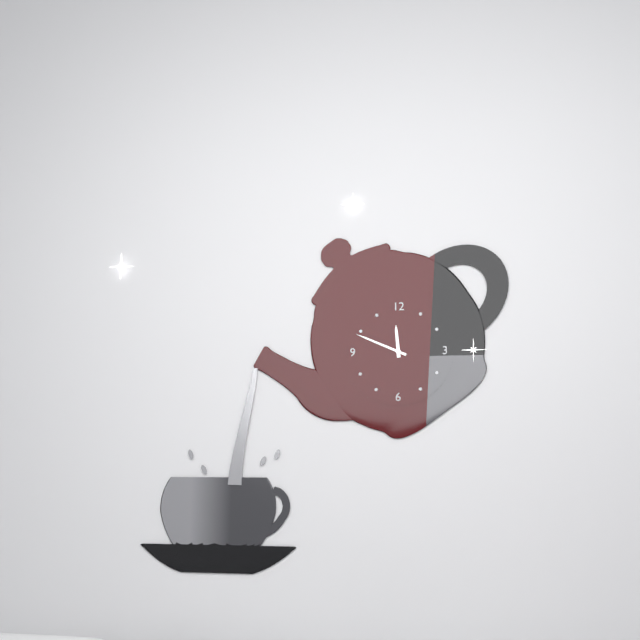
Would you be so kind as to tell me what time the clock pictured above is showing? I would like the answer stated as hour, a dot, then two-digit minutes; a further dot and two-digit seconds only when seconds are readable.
11.49
